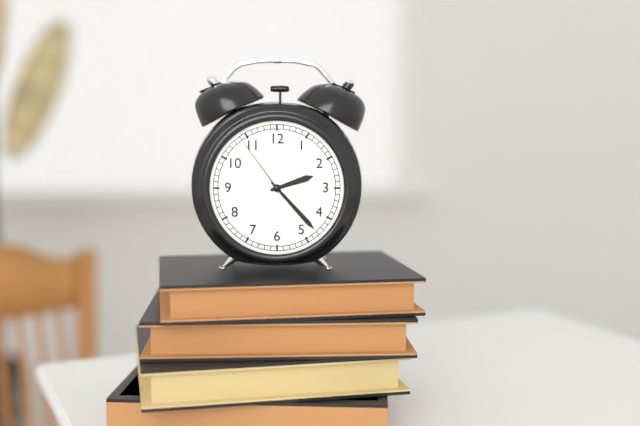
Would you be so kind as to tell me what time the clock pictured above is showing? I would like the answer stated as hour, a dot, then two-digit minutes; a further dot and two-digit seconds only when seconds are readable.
2.23.54
